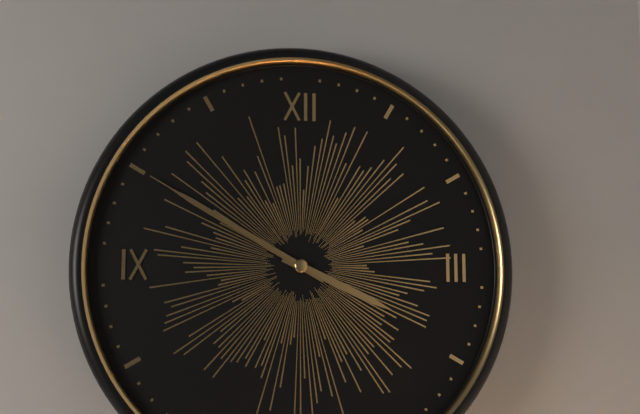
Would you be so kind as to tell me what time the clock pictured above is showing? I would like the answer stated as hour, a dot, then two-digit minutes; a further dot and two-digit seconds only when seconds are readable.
3.50.50
